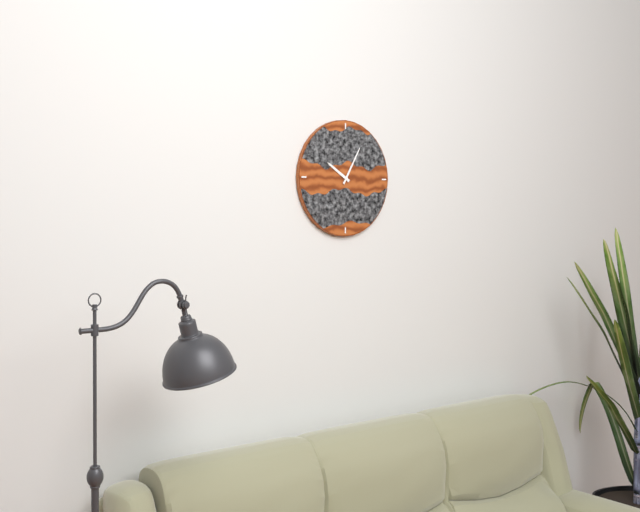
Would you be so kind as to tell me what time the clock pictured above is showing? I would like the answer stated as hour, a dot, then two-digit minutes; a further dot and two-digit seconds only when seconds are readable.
10.05
